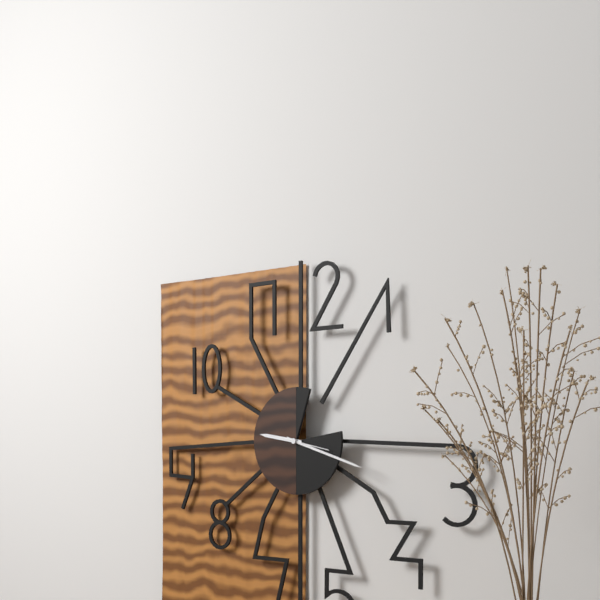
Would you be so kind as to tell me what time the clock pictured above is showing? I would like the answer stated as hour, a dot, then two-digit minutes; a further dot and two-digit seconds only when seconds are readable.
9.18
